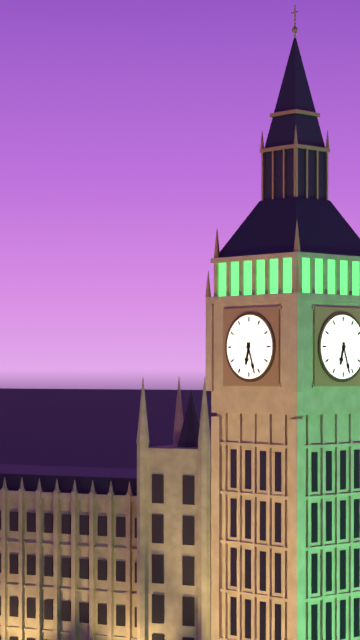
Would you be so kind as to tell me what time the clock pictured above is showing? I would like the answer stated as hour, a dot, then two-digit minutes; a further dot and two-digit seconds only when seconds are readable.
6.27
